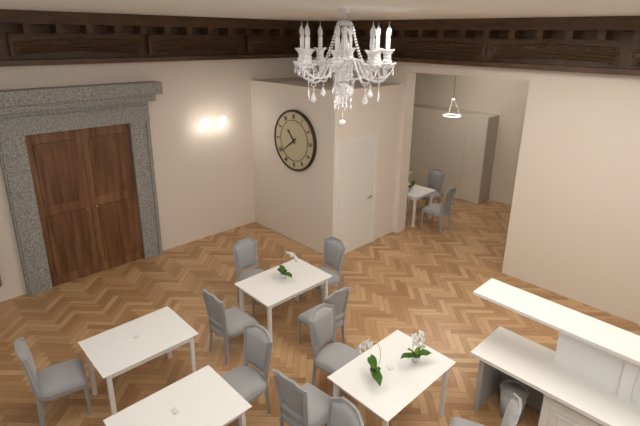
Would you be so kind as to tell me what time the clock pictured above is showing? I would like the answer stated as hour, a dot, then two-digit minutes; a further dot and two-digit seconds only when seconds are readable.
10.39
